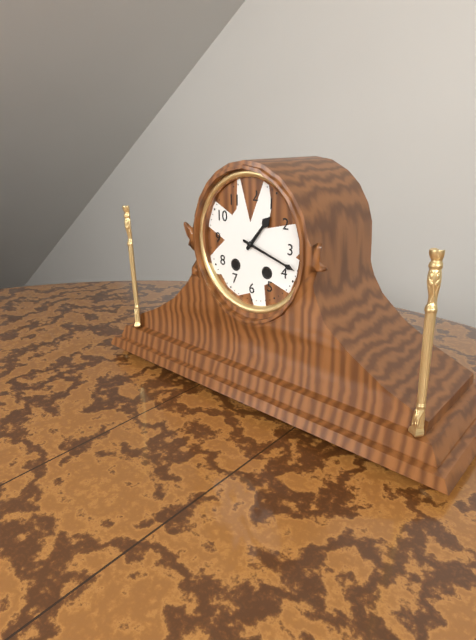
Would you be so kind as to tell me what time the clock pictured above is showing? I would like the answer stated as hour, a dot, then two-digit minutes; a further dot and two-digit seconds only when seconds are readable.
1.18
